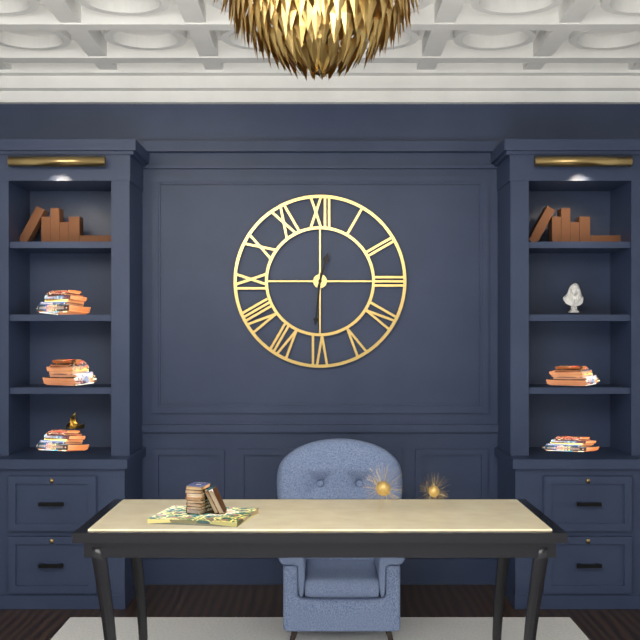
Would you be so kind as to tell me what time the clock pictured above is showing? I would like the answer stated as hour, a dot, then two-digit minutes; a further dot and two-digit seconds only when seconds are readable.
12.31
